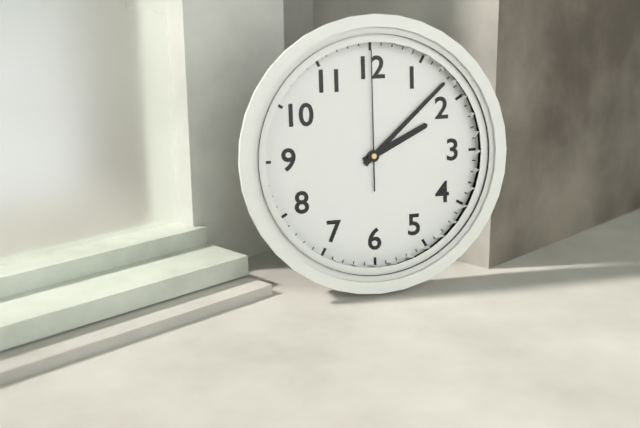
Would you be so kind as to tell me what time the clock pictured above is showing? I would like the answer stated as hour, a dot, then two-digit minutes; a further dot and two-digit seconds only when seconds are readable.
2.08.00
